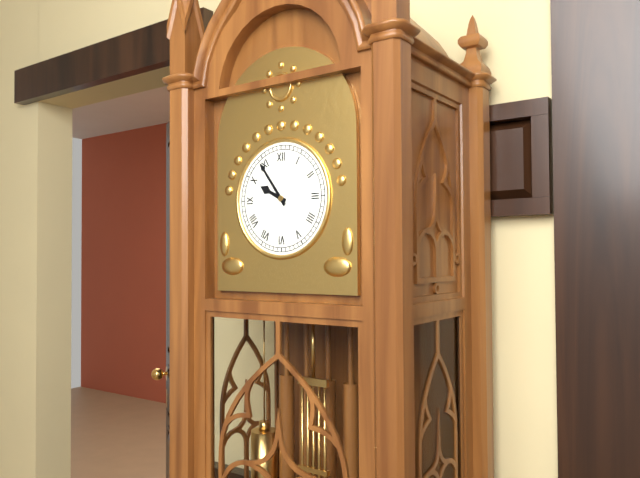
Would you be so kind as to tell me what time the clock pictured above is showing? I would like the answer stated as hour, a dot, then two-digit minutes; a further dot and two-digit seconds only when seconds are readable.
9.54
